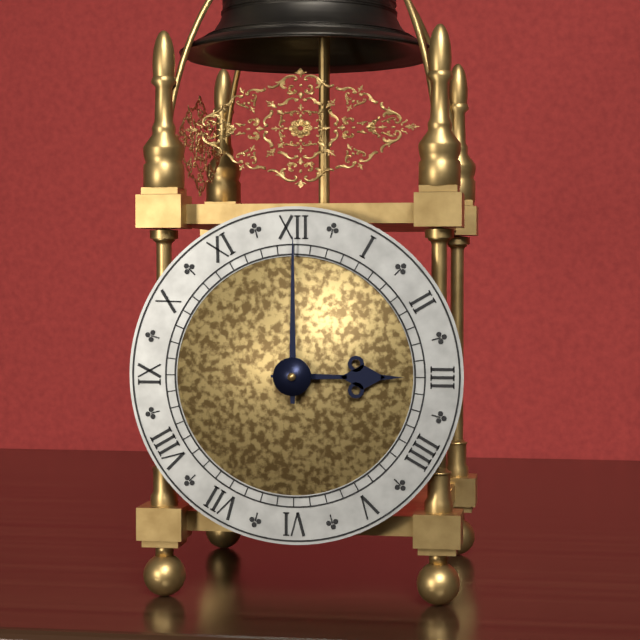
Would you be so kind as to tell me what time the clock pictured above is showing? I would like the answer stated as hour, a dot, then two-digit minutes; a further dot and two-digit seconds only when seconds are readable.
3.00
